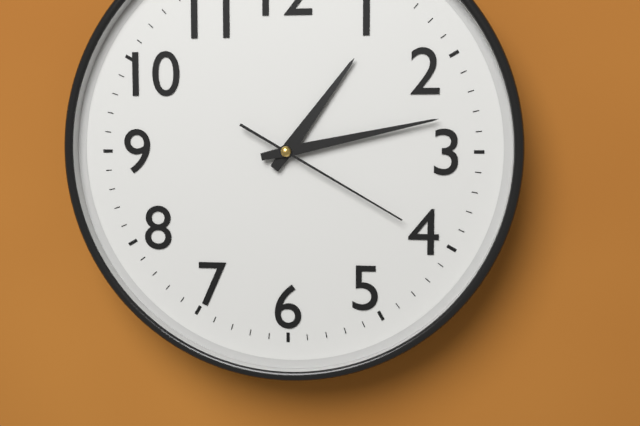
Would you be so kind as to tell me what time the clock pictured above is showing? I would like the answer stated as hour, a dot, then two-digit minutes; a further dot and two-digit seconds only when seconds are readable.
1.13.20
